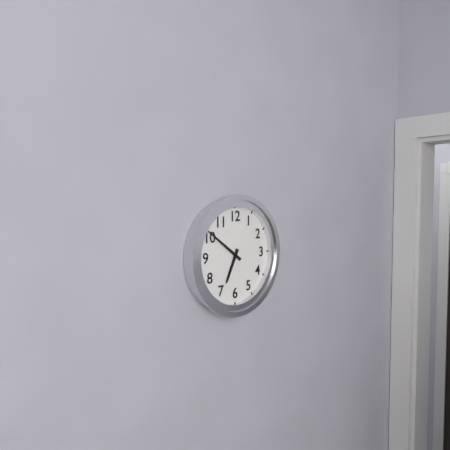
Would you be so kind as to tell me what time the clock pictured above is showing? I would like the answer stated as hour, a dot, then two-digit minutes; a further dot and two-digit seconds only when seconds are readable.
6.51
